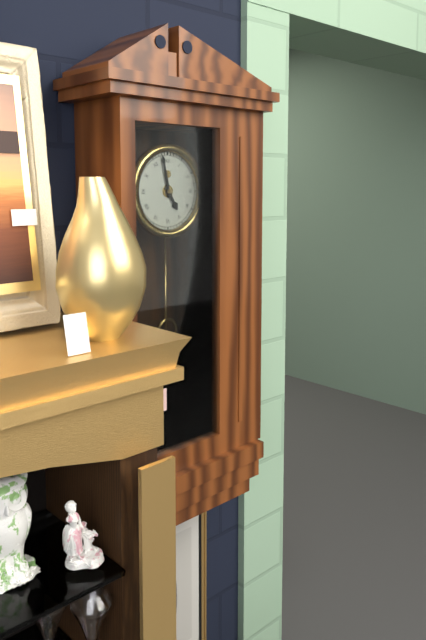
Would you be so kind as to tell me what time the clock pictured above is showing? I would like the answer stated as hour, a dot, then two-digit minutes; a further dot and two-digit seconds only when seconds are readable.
4.58
